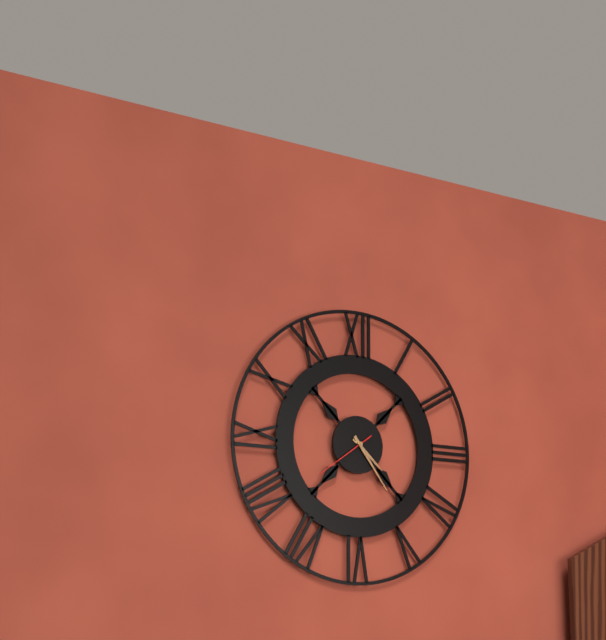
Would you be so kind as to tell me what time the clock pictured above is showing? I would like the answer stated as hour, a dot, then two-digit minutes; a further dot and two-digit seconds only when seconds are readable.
4.24.39
